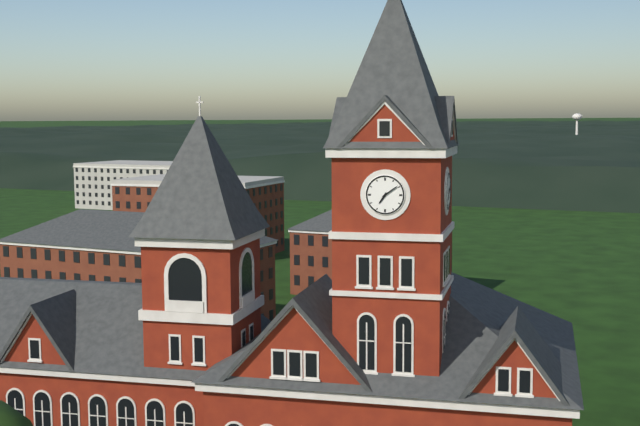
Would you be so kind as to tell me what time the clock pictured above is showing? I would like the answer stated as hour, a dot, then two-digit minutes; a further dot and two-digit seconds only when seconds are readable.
7.09
